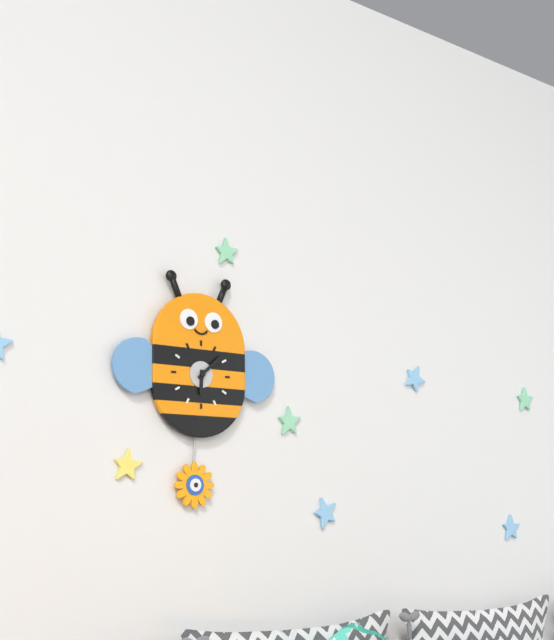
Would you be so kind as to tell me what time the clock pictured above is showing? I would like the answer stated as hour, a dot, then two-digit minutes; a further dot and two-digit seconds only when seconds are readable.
6.08
